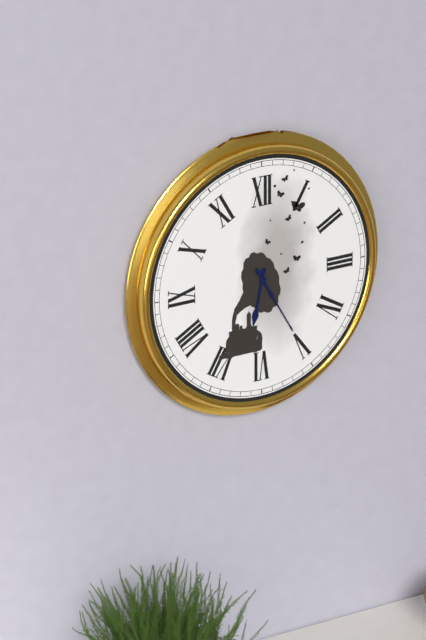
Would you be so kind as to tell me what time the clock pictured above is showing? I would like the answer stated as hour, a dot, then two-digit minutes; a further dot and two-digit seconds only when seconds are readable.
6.25
